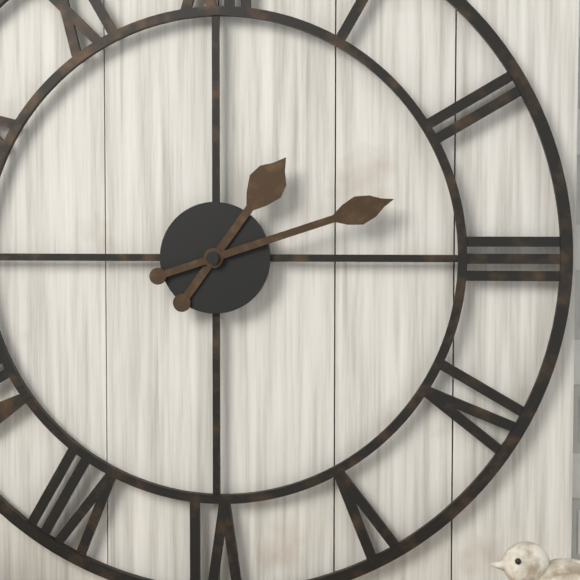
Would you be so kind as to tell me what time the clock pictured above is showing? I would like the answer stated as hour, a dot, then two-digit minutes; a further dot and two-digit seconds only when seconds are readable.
1.12
